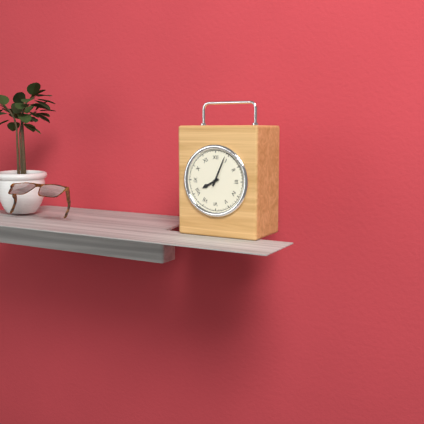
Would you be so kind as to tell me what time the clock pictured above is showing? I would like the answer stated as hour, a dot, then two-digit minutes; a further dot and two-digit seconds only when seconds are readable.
8.04
